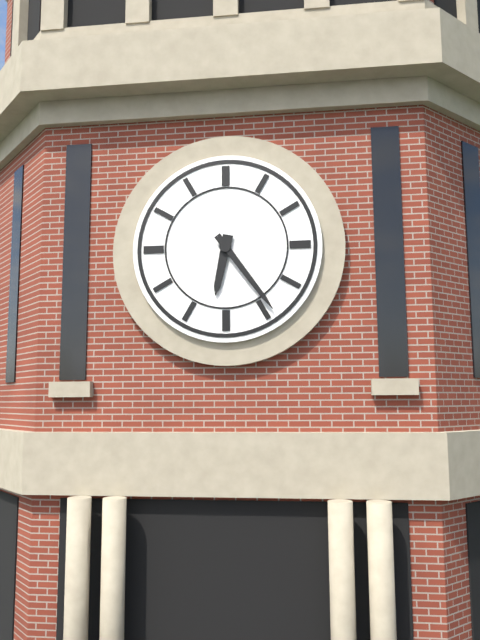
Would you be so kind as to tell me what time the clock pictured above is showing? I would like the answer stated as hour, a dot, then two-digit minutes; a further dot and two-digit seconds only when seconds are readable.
6.24
